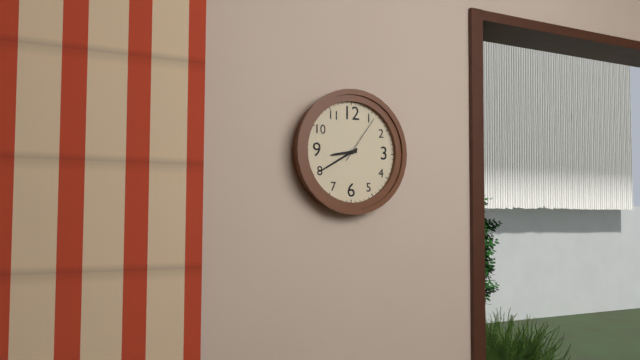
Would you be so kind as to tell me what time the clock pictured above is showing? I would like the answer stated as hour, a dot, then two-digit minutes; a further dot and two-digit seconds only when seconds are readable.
8.40.06
